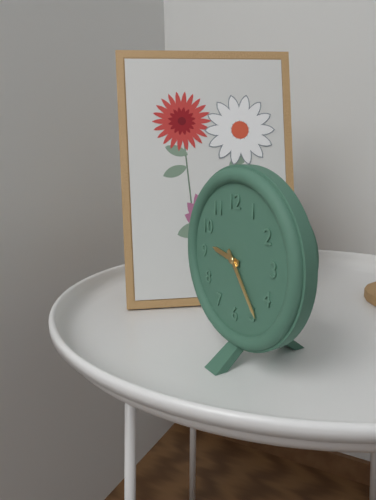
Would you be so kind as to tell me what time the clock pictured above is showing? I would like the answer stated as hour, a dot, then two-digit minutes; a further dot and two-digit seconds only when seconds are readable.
9.24
